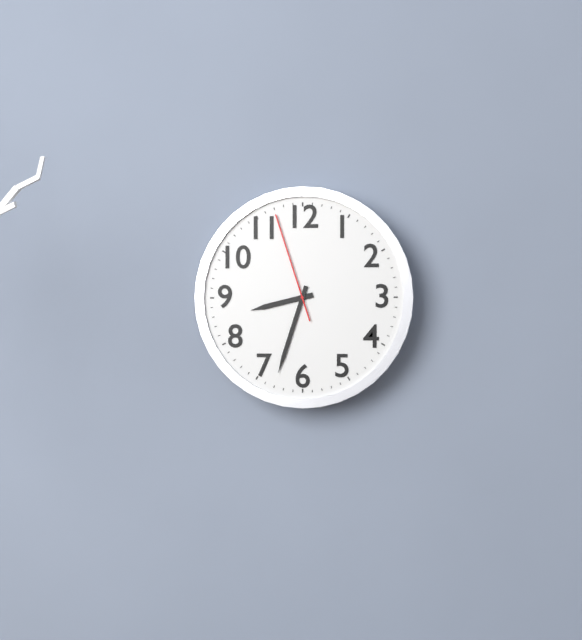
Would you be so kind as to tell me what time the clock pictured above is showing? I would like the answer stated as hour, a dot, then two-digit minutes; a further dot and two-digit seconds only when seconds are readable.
8.33.57
